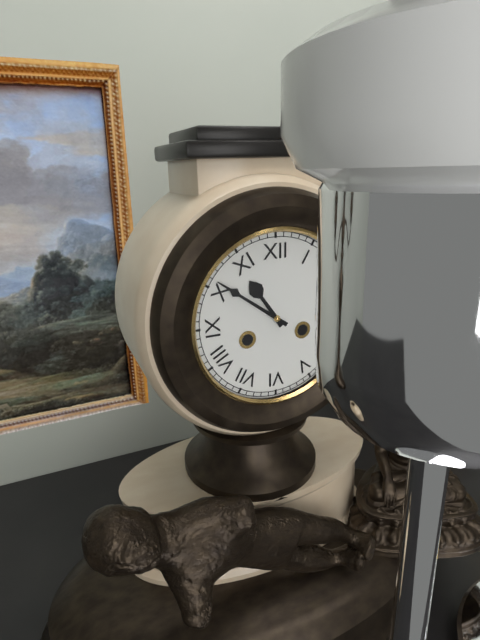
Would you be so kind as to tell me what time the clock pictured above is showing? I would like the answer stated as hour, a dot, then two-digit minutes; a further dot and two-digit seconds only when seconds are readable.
10.51
